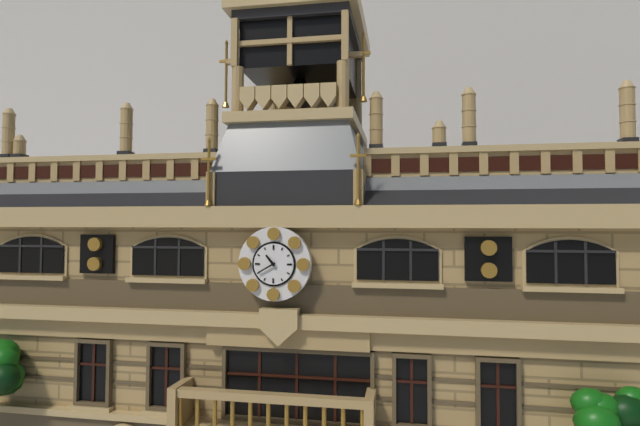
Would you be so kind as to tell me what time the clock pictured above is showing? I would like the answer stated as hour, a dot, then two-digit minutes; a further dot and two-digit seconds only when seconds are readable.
10.40
